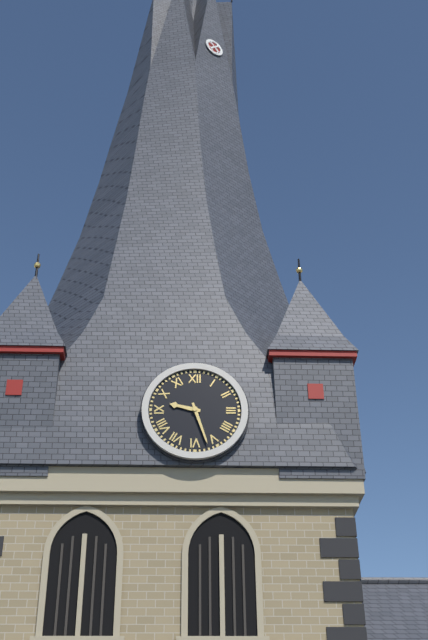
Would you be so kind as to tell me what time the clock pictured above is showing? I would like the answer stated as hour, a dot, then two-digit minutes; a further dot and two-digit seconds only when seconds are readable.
9.27
